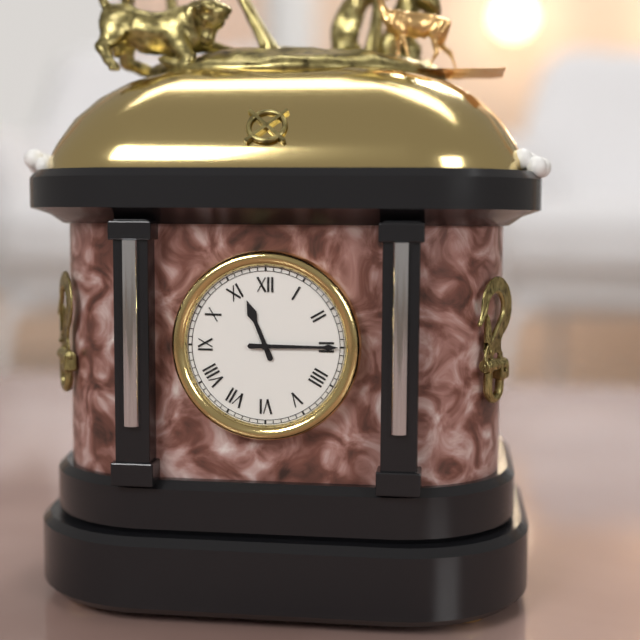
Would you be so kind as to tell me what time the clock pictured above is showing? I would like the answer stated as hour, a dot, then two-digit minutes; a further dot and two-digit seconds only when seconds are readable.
11.15
